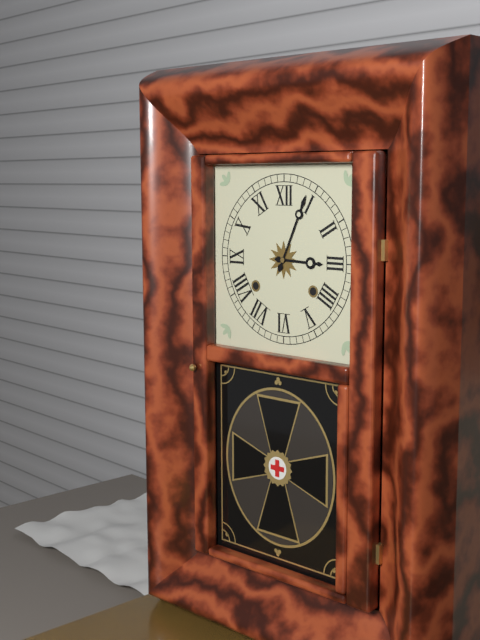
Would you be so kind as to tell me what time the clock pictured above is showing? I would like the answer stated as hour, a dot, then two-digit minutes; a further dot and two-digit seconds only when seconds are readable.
3.04
